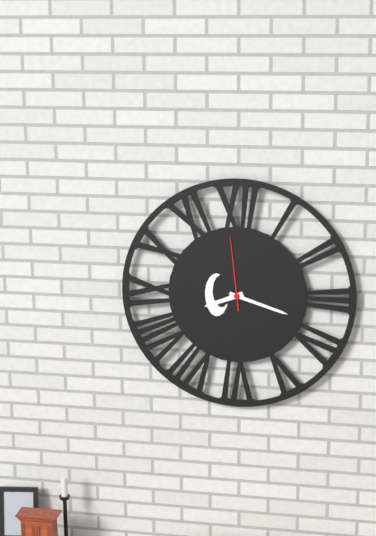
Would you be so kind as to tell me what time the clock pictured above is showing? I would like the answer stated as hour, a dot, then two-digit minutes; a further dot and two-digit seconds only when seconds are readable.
8.18.59
